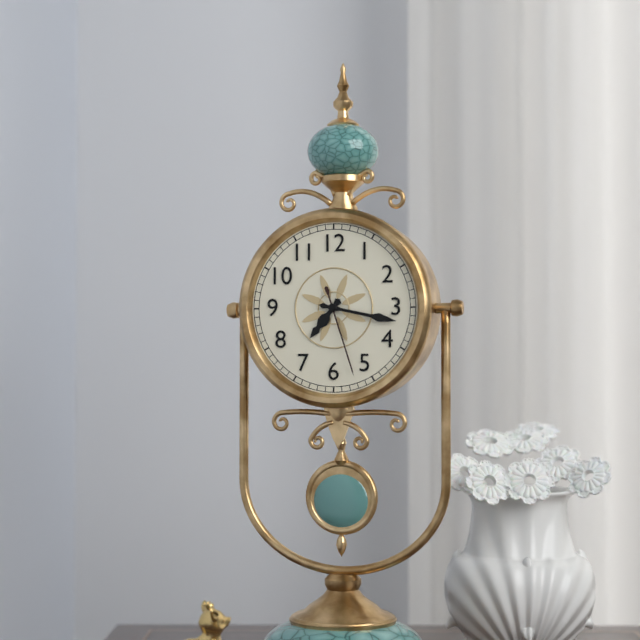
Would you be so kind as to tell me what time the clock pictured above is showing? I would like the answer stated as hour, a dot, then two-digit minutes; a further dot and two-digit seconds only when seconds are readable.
7.17.27
